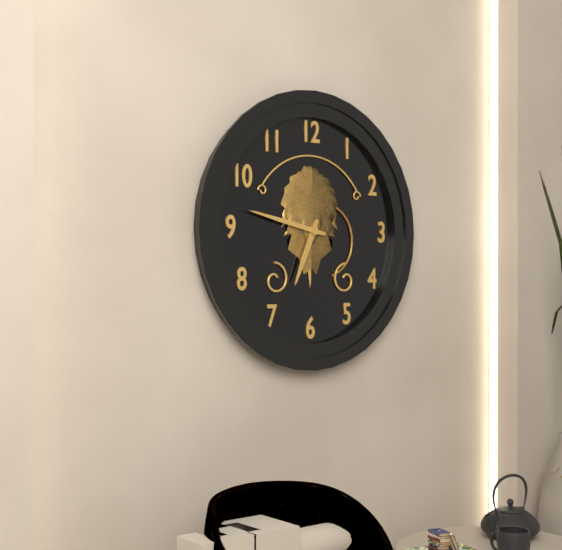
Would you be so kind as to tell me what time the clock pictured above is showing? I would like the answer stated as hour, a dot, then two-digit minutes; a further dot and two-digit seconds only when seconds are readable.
6.47
